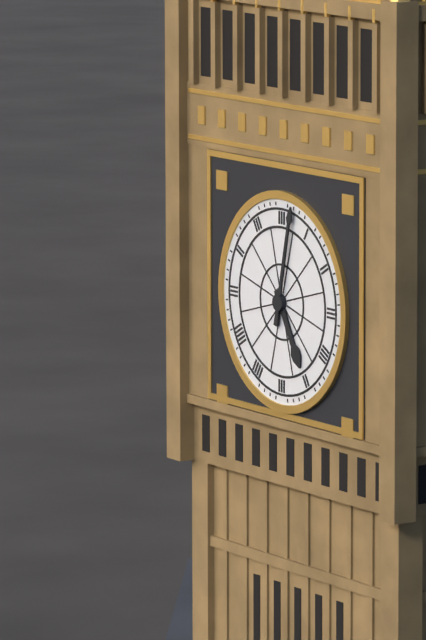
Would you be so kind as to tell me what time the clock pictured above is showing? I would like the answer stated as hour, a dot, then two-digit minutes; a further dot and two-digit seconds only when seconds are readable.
5.02
